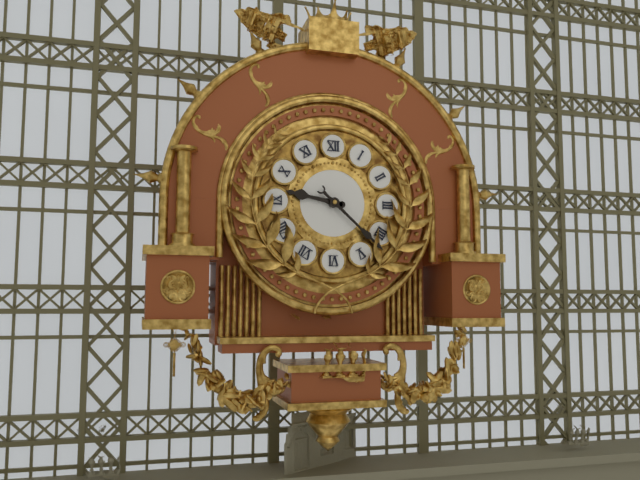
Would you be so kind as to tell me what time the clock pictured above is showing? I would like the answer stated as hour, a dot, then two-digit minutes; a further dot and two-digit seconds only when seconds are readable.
9.22
